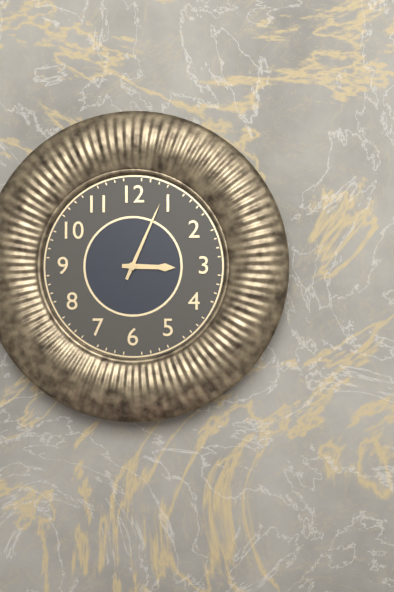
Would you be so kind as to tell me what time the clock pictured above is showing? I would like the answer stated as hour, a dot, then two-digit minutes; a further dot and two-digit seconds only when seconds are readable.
3.04
